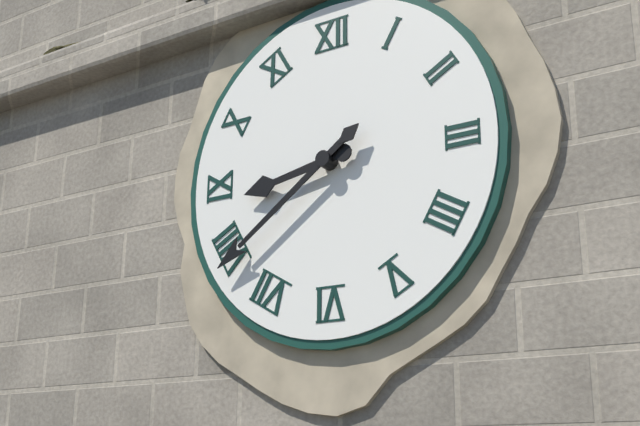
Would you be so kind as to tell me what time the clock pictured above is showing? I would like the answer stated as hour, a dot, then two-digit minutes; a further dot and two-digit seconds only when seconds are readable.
8.39
